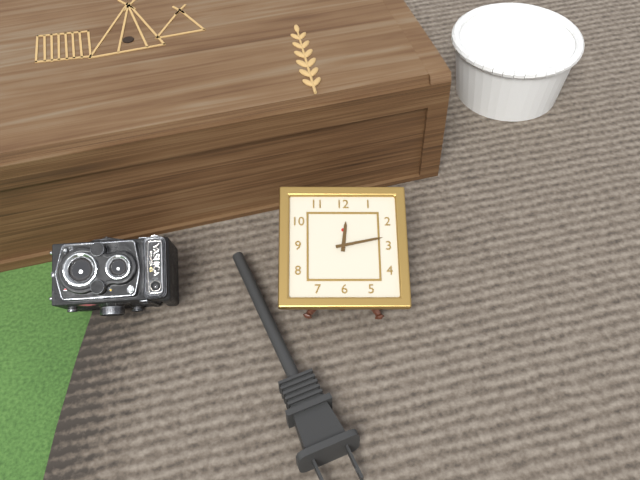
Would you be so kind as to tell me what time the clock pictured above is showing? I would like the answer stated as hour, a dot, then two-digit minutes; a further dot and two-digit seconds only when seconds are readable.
12.13
